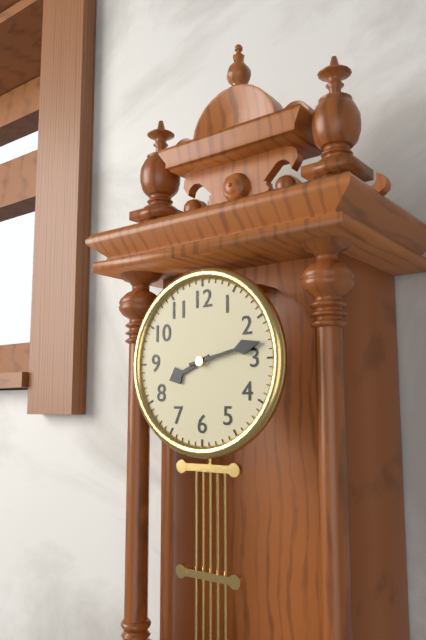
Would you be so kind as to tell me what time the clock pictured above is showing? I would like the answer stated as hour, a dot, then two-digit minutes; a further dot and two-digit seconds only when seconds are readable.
8.13
